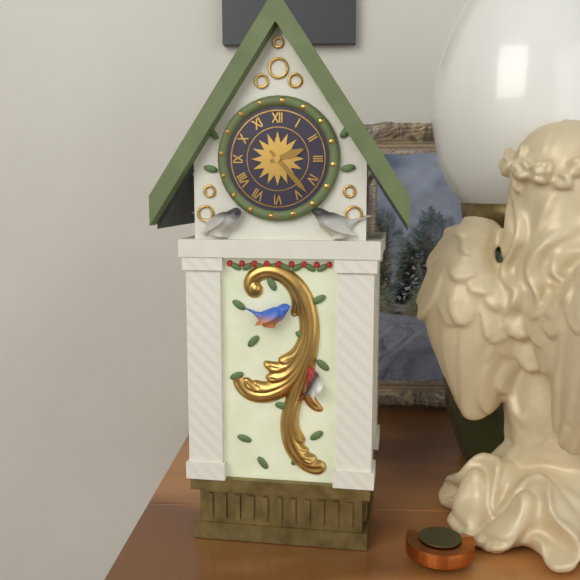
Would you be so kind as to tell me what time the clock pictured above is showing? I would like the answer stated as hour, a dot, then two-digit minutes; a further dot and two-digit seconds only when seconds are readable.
2.23
